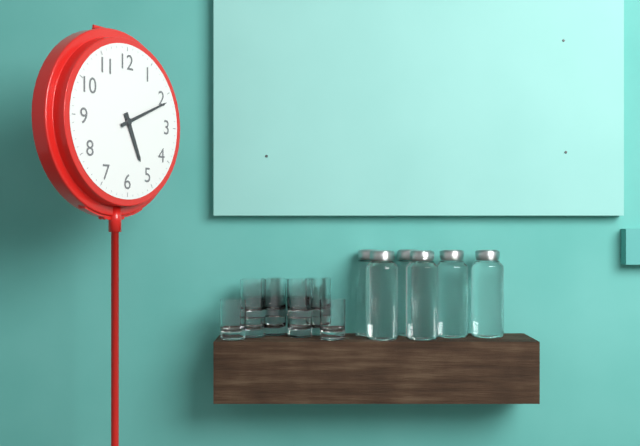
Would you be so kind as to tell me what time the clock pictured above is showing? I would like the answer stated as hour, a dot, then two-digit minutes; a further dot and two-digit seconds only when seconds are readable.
5.11
